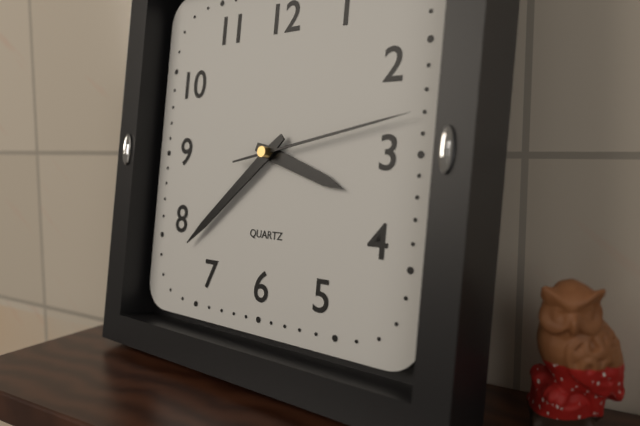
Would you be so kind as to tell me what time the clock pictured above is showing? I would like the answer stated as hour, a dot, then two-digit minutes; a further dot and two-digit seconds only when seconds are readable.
3.38.13
